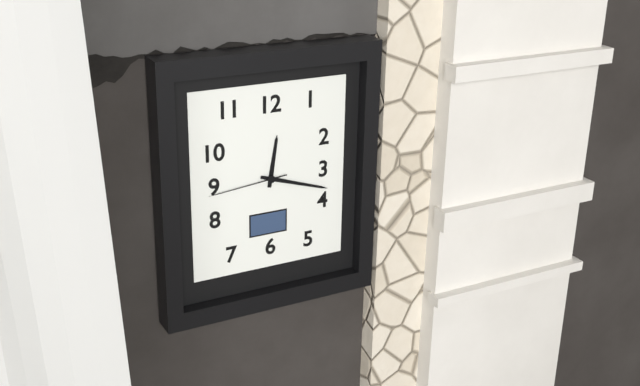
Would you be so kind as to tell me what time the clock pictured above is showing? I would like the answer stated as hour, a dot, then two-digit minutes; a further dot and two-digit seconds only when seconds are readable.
12.18.44
